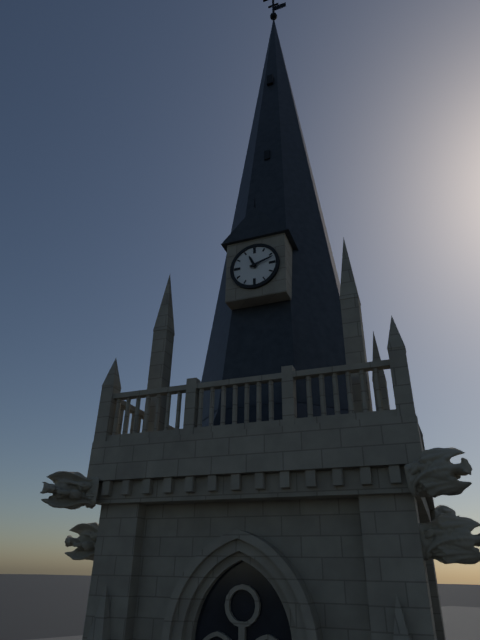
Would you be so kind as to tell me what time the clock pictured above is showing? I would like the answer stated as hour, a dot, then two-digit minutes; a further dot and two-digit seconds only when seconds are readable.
11.12
